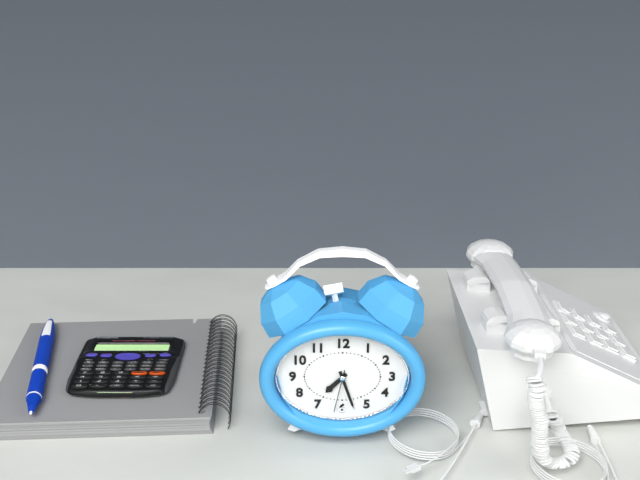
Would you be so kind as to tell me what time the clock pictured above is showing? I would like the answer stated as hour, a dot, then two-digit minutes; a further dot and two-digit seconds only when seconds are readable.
7.27
